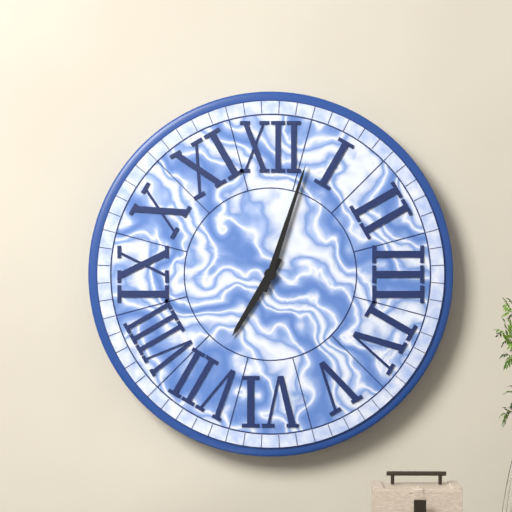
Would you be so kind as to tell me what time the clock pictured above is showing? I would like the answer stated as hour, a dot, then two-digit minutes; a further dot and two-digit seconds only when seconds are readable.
7.03
